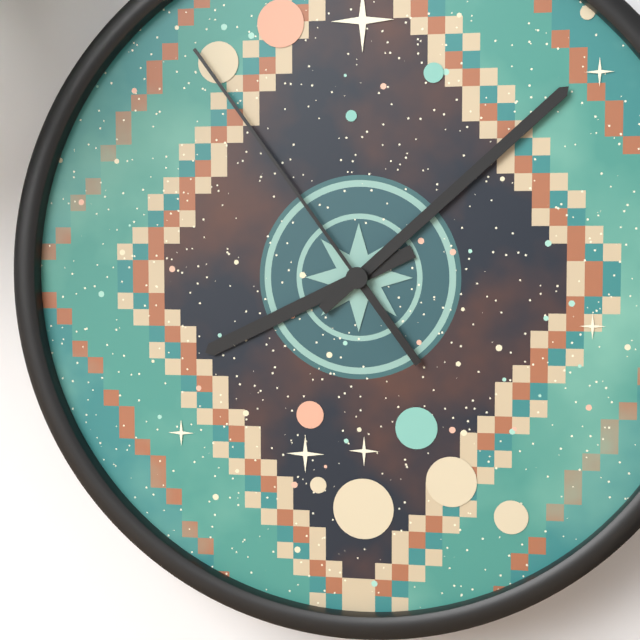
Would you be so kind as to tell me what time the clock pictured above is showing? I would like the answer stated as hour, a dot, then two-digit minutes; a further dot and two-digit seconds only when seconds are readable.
8.08.54
